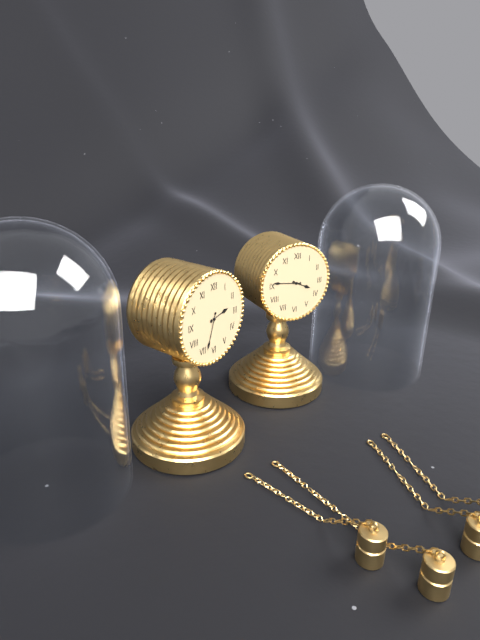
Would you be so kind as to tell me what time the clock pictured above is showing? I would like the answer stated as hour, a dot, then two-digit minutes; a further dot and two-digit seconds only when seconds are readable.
2.33
